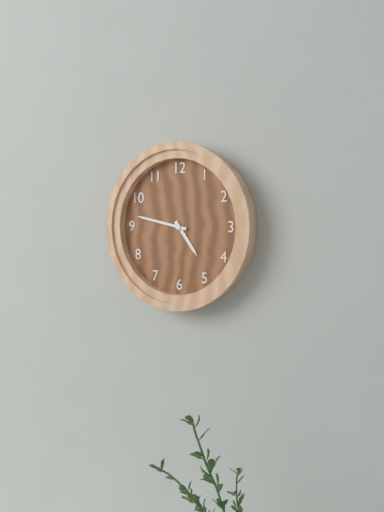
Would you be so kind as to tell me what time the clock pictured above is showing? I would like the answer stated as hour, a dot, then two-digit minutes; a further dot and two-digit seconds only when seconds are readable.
4.47
